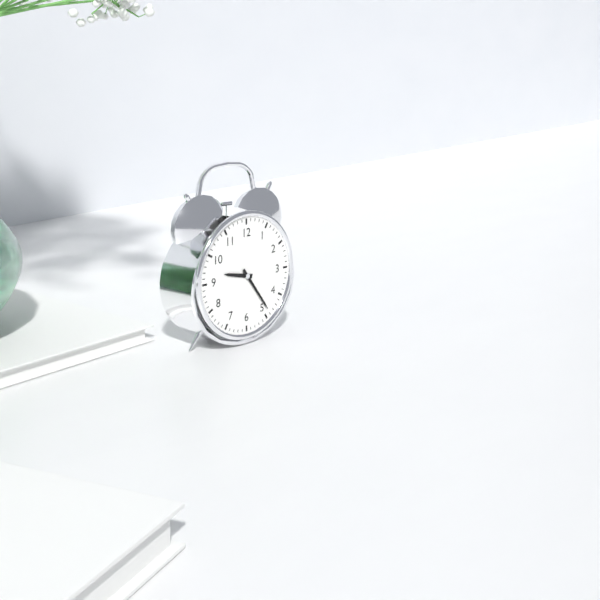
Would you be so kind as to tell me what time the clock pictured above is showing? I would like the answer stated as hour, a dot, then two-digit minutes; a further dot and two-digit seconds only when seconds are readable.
9.24
